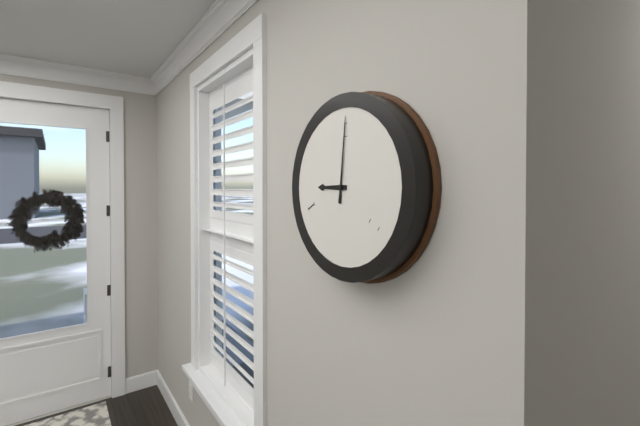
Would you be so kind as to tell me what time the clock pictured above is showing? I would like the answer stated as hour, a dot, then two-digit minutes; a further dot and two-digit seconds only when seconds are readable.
9.01
